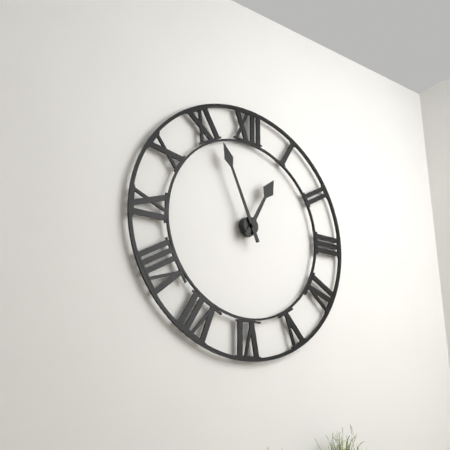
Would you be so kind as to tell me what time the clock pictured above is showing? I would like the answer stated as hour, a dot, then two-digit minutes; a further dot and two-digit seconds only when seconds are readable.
12.56
